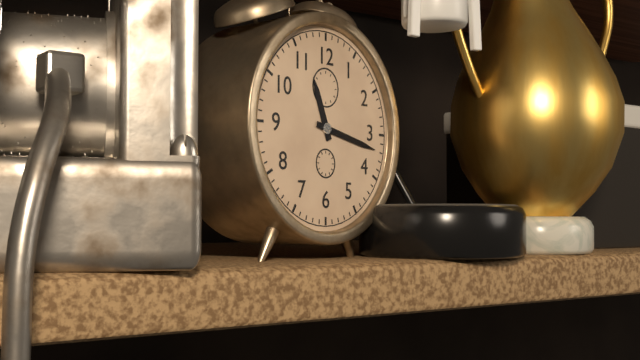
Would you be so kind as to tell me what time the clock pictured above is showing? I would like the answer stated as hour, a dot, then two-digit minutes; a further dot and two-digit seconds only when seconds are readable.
11.17
